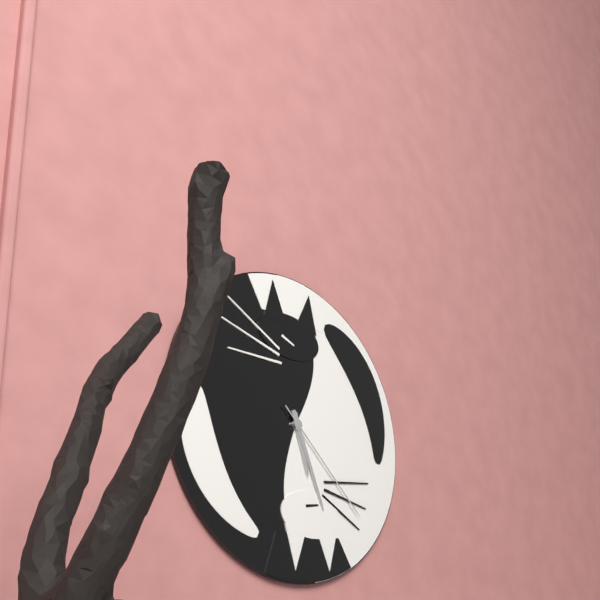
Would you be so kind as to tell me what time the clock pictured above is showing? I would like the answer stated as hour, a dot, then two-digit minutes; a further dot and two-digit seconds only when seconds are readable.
5.26.22
